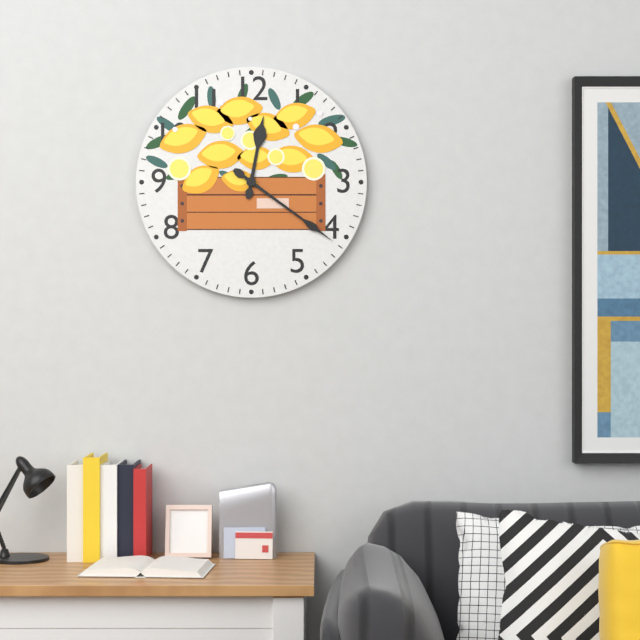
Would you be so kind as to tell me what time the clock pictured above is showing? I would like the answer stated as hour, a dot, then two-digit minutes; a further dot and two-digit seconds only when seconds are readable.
12.21
